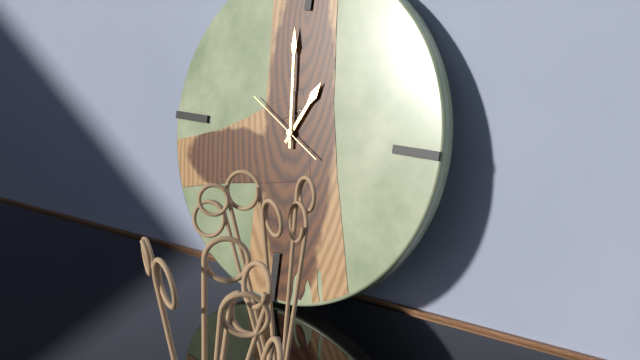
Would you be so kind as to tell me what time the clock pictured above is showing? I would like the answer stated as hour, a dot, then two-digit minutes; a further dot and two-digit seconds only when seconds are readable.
12.59.50
